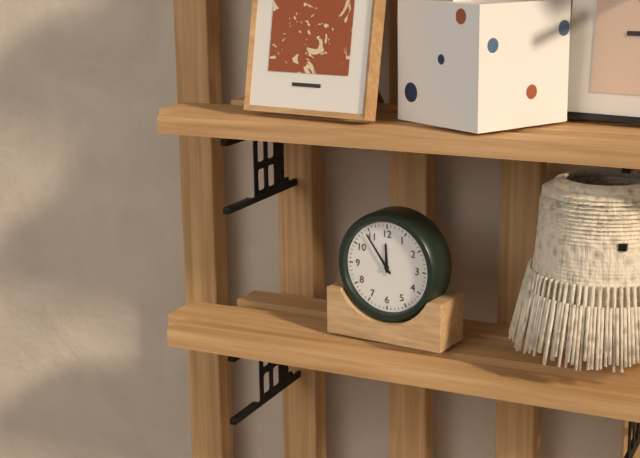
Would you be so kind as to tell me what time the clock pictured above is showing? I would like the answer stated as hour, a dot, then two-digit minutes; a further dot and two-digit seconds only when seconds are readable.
11.54
